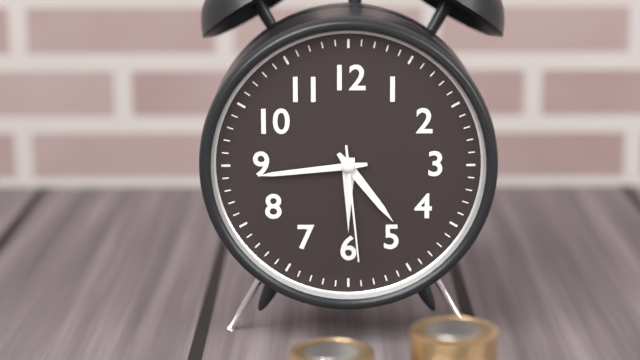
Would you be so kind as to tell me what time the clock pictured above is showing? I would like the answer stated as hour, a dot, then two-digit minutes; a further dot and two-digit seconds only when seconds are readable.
4.44.29
